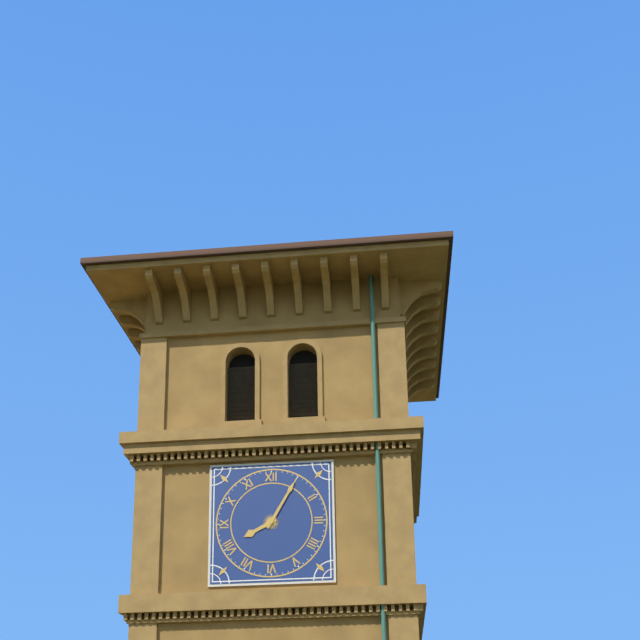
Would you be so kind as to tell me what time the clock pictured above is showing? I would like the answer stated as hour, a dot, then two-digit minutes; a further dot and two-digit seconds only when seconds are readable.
8.05
